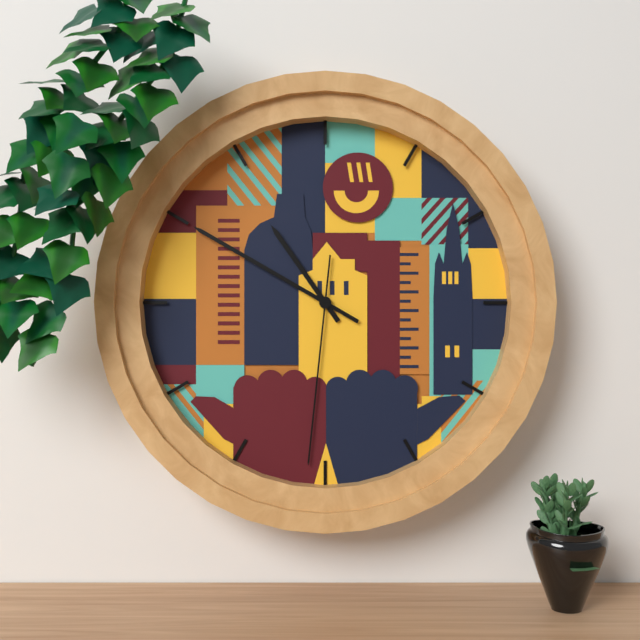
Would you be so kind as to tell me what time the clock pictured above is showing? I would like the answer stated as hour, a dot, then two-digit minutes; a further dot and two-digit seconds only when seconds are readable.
10.50.31
